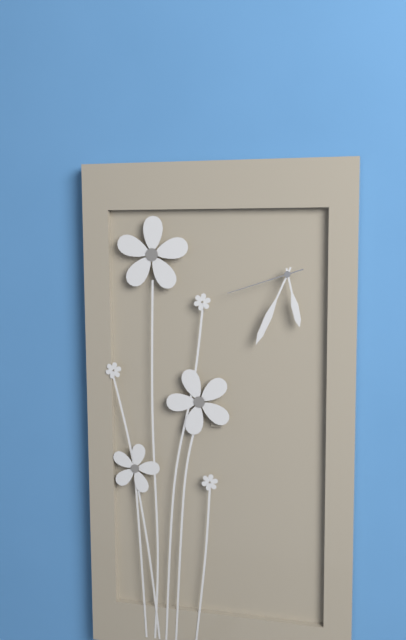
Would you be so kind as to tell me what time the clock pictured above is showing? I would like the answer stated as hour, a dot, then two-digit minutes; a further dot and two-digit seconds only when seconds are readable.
5.34.42
